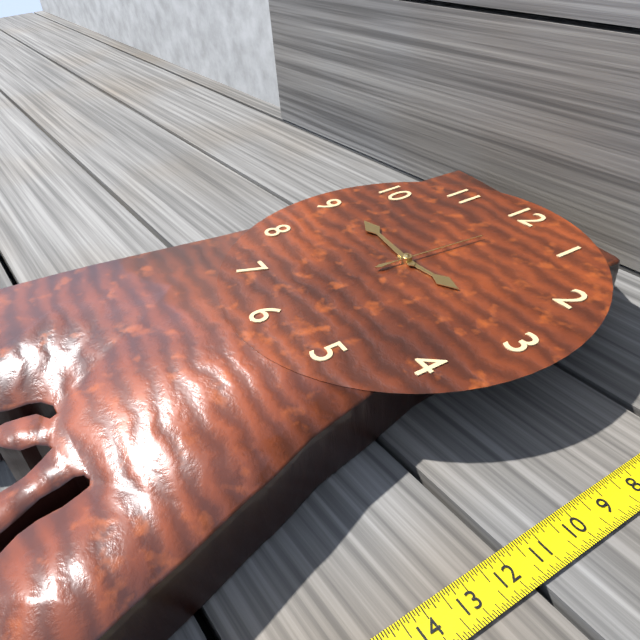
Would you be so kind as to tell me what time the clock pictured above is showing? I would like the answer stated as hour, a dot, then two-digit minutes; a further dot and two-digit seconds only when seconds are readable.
2.46.01
